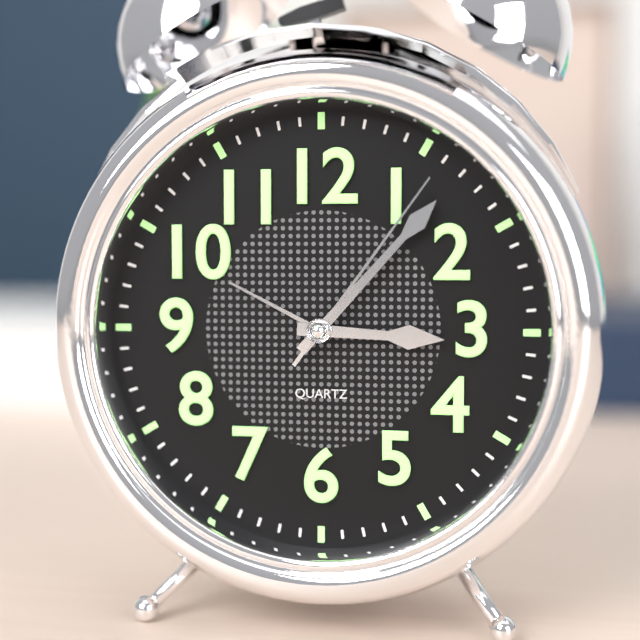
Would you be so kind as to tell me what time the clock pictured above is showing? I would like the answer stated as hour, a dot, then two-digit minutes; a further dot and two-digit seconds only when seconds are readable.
3.07.06
